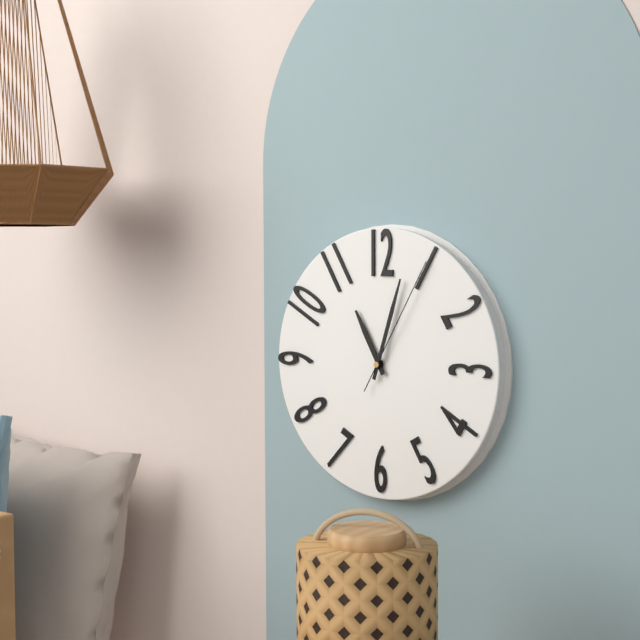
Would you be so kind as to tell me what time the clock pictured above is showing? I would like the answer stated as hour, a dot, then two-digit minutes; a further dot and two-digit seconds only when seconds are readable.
11.03.05
